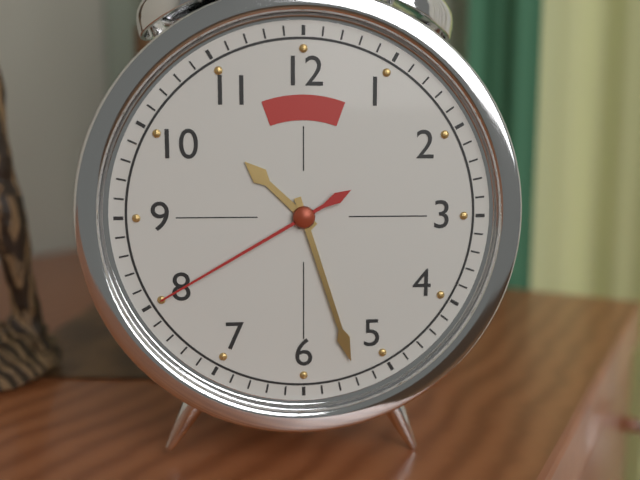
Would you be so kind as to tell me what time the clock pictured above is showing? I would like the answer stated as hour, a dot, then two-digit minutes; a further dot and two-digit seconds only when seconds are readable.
10.27.40
